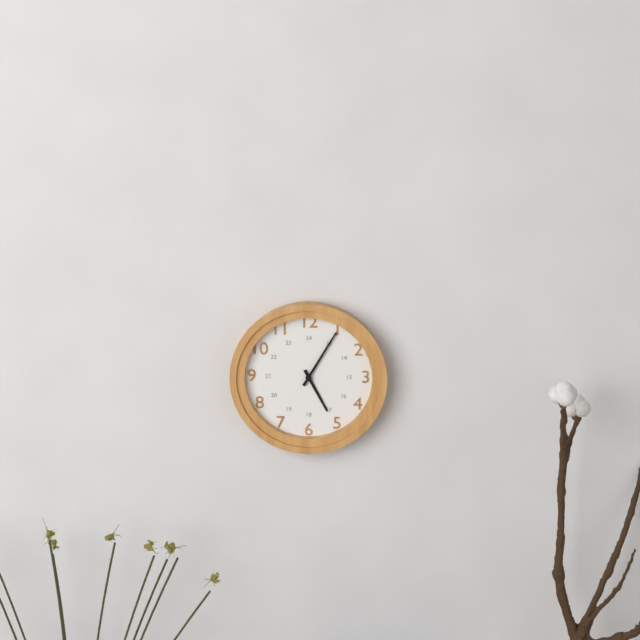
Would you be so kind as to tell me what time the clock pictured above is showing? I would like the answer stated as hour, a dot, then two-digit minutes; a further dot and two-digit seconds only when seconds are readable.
5.05
